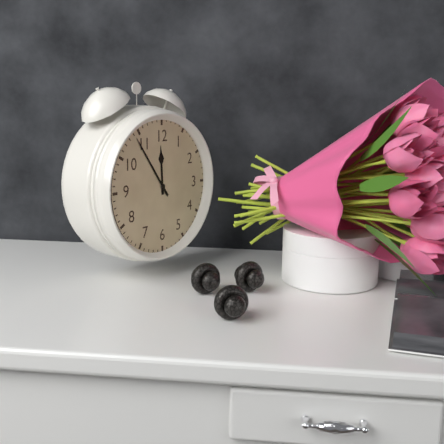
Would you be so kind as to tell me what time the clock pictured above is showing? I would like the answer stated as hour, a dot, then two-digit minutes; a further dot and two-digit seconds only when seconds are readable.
11.54
